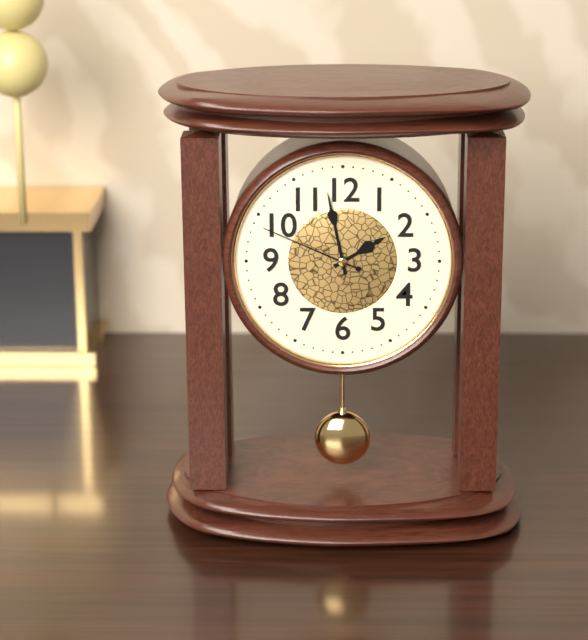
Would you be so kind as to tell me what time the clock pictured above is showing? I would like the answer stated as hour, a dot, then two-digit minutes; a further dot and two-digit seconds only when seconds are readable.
1.58.49
